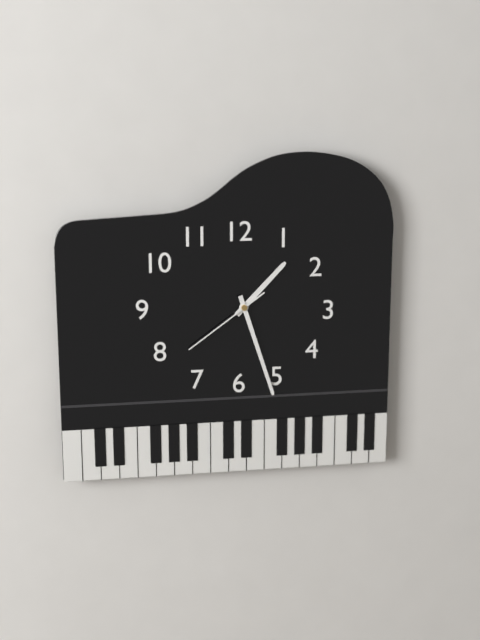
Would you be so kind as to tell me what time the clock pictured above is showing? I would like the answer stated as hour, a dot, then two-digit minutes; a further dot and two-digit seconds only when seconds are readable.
1.27.39
